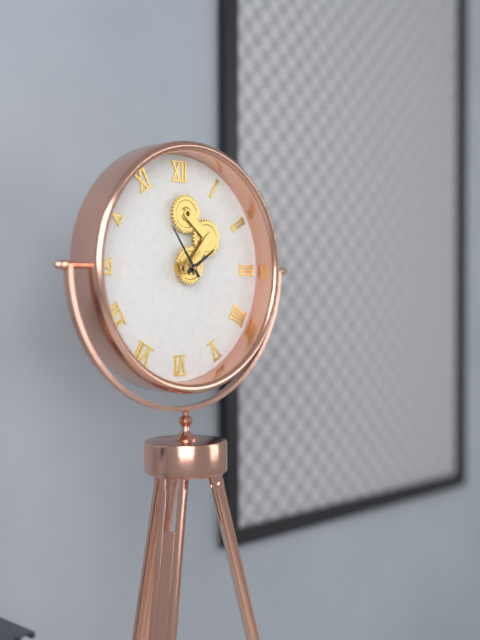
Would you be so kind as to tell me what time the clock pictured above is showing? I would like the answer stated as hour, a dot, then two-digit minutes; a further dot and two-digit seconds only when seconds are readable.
1.54
